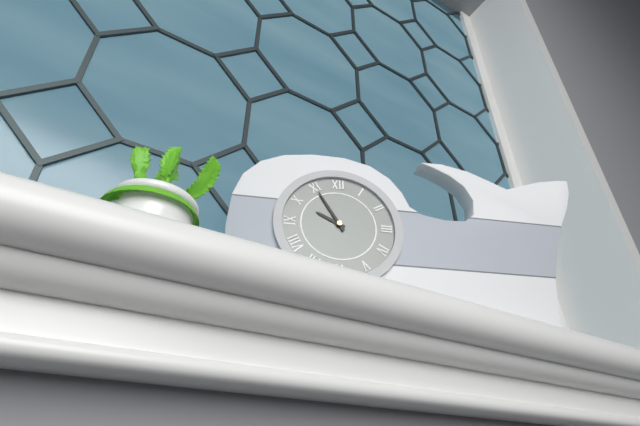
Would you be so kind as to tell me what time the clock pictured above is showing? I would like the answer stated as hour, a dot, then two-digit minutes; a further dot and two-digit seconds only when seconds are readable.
9.55
